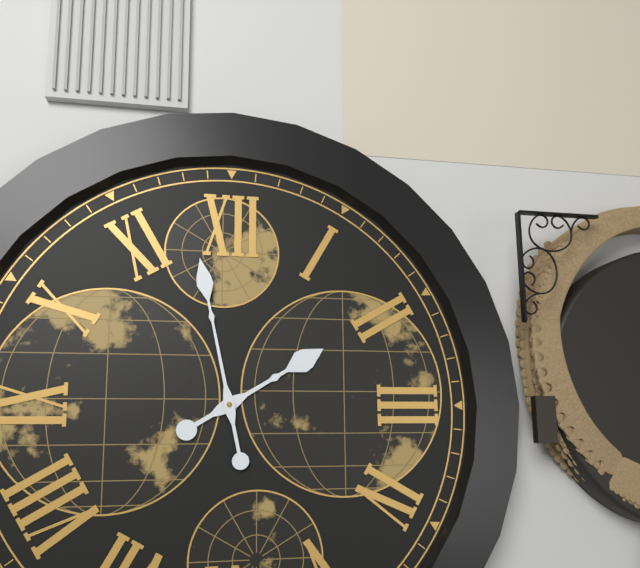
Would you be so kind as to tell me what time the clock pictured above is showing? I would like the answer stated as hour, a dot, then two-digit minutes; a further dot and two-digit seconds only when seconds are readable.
1.58
